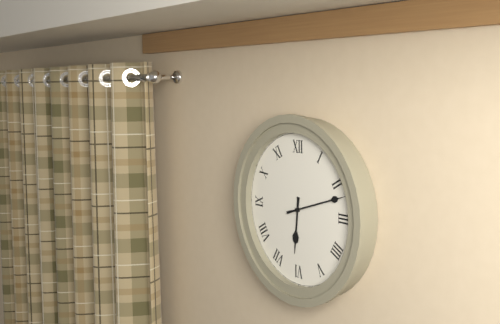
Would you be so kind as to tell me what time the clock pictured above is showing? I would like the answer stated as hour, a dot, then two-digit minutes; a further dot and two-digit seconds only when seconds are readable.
6.12
